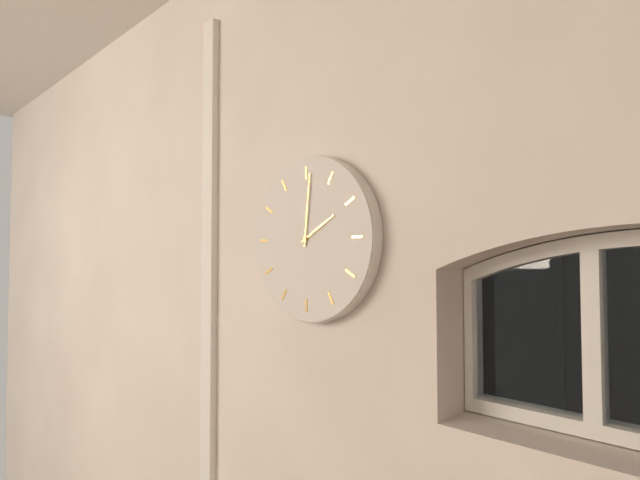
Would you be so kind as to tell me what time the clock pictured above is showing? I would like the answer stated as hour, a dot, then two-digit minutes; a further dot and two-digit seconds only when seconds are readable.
2.01
